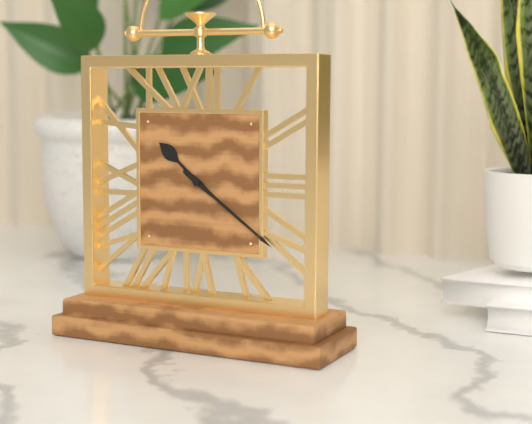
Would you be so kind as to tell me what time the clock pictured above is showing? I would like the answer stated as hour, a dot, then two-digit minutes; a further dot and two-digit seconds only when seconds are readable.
10.21
